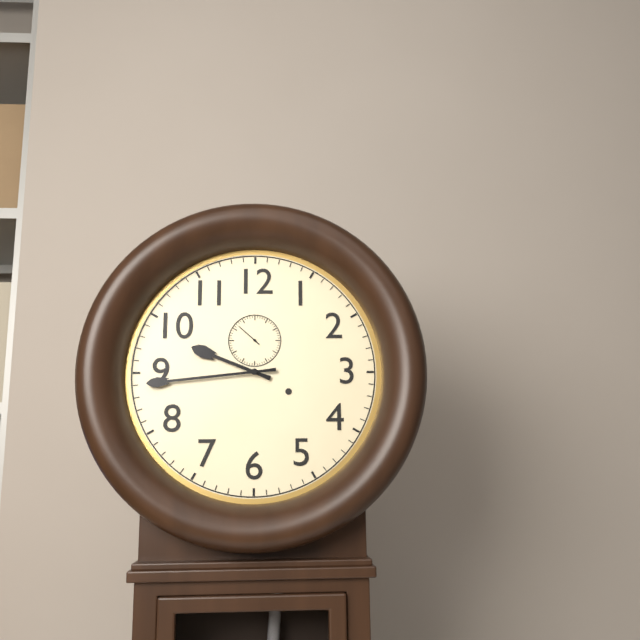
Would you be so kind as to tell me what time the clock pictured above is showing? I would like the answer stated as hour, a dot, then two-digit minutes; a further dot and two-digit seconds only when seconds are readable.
9.44
